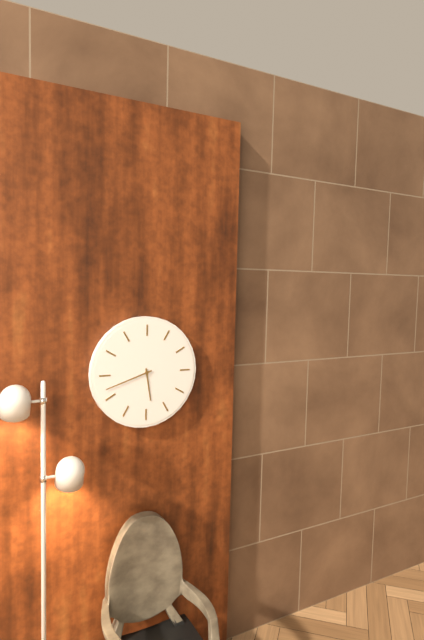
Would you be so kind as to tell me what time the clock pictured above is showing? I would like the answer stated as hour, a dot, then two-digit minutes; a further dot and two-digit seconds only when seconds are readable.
5.42
